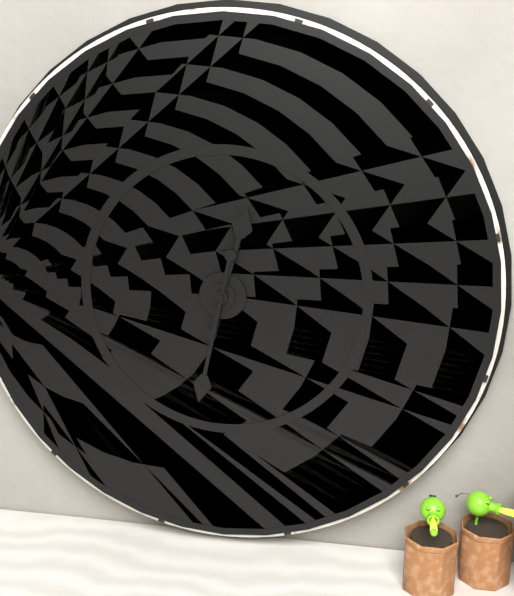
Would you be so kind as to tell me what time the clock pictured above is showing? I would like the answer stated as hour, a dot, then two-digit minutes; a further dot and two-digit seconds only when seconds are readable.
12.32
